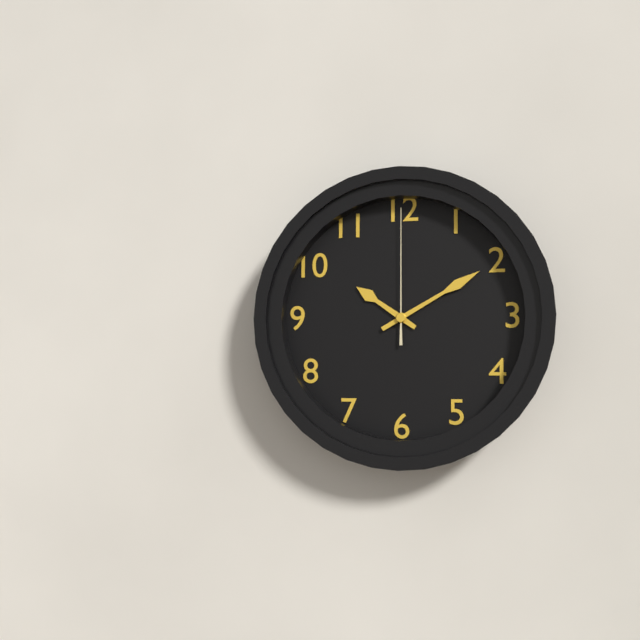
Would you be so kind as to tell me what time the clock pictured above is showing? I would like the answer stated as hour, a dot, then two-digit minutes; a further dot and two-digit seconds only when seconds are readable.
10.10.00
